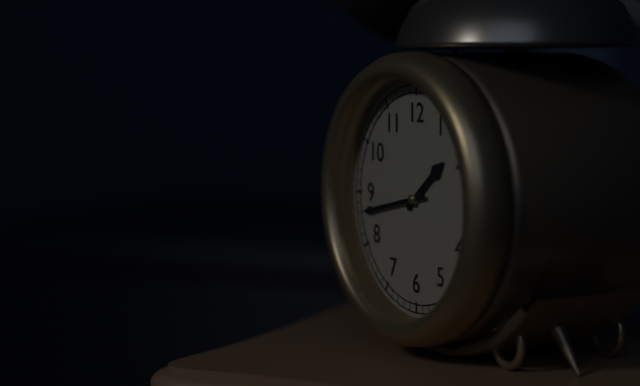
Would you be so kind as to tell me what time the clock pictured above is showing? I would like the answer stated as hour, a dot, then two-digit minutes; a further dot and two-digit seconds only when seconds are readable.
1.43
